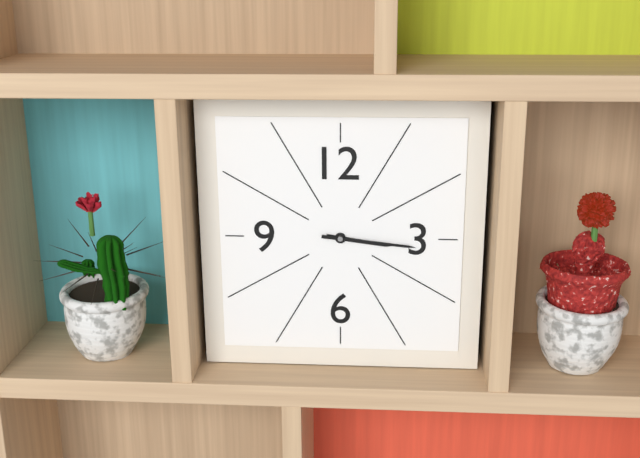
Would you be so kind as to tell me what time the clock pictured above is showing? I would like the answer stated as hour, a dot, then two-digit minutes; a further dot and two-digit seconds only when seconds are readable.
3.16
